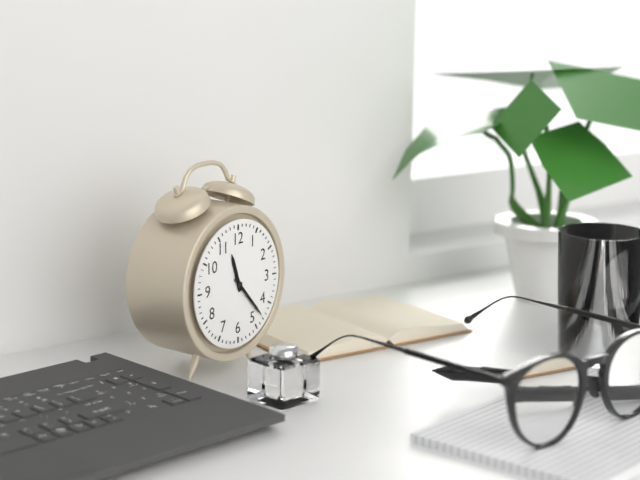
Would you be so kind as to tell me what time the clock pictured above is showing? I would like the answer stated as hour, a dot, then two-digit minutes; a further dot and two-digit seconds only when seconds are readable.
11.23
